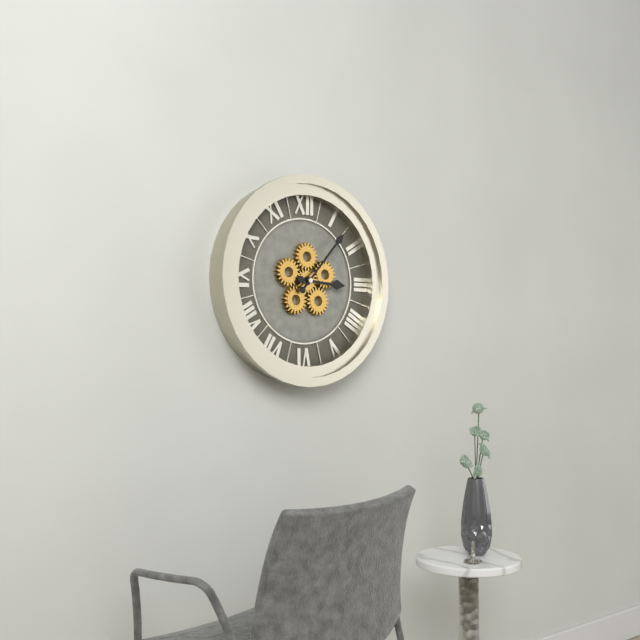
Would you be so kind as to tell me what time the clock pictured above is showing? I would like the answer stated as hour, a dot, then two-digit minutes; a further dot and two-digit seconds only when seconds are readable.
3.07
